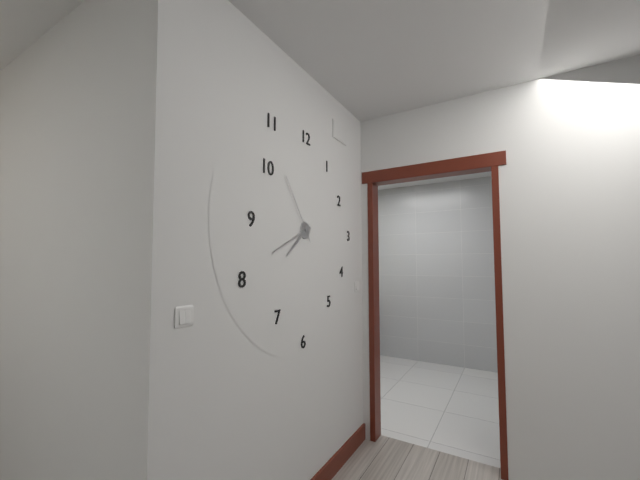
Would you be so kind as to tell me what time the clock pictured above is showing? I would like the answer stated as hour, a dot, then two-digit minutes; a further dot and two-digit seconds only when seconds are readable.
7.41.54
